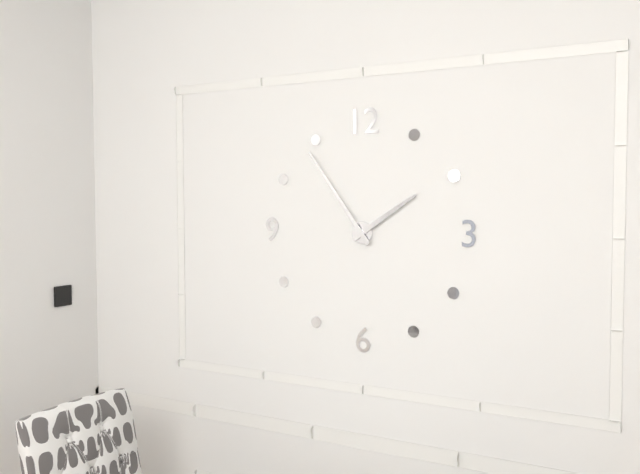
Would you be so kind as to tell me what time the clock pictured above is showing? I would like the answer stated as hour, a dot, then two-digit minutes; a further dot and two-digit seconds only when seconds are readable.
1.54
